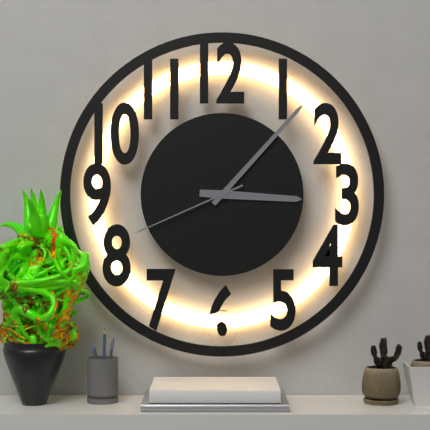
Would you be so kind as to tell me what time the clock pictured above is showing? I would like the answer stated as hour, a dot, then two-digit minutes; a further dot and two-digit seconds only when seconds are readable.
3.07.41
